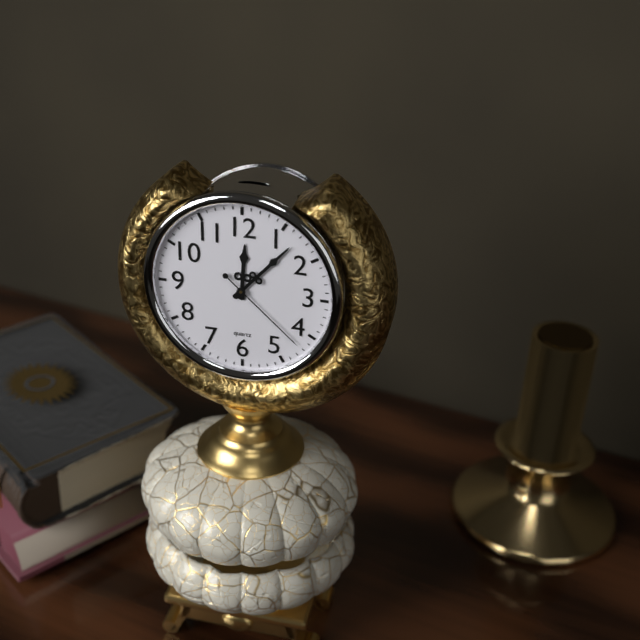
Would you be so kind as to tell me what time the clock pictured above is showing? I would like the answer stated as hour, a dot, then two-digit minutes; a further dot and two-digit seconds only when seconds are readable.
12.07.22
